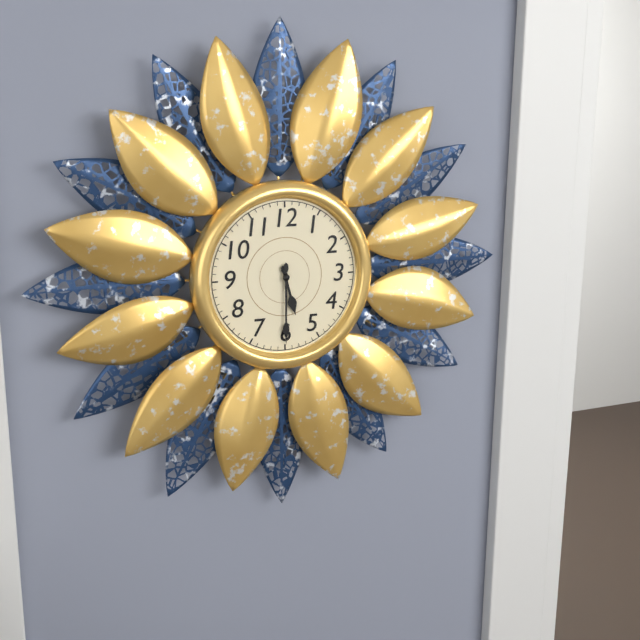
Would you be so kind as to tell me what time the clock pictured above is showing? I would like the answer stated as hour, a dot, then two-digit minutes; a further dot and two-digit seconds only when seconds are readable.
5.30
